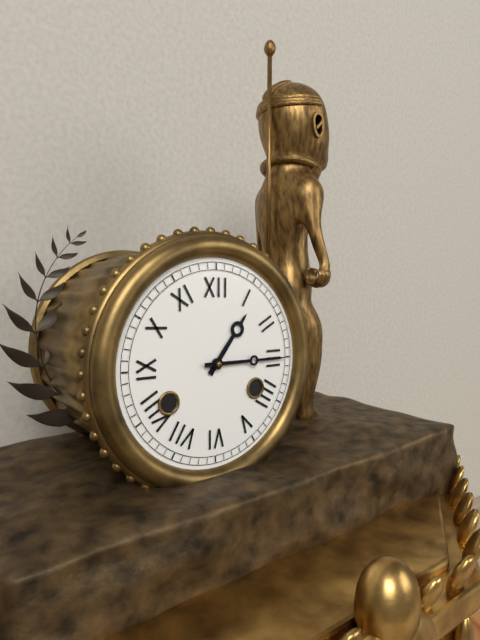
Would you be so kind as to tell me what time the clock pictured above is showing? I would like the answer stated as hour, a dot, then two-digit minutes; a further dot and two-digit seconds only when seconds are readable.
1.15
